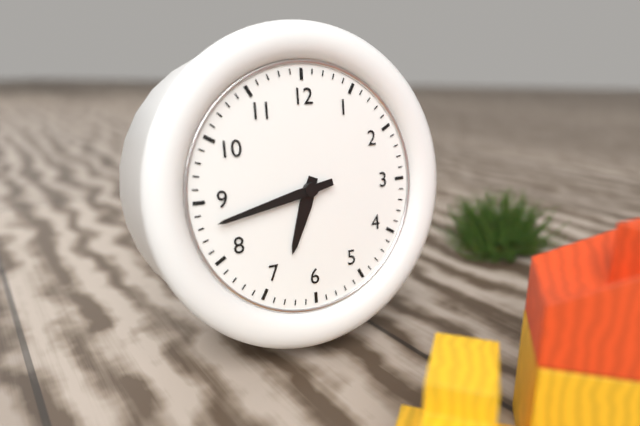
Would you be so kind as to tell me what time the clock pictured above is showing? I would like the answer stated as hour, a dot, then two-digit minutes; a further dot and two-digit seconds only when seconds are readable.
6.43
